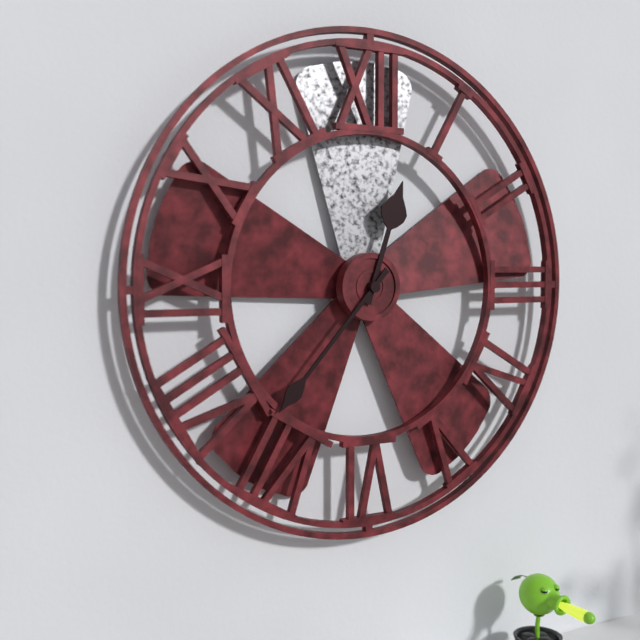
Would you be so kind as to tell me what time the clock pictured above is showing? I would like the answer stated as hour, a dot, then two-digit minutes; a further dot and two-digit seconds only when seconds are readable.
12.37
